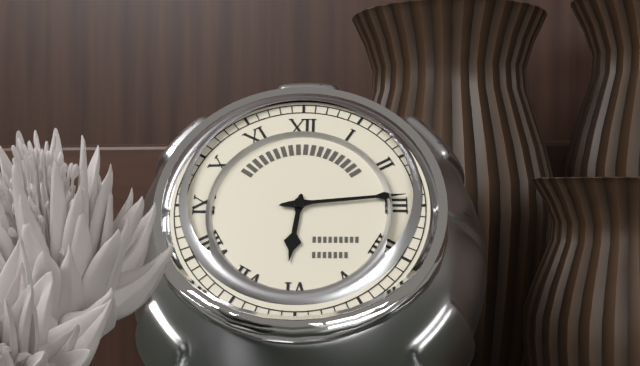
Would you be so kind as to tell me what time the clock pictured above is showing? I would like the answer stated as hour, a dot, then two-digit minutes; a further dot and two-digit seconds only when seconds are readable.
6.14
